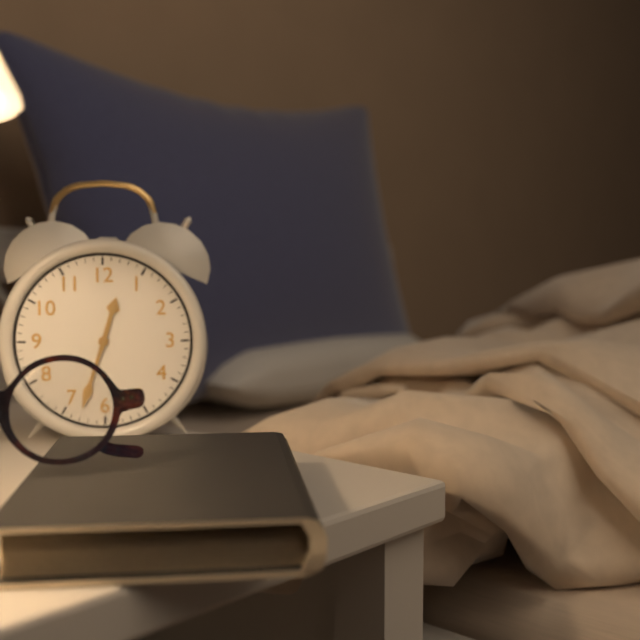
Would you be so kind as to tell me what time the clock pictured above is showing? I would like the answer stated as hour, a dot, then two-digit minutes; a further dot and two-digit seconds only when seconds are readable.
12.33
